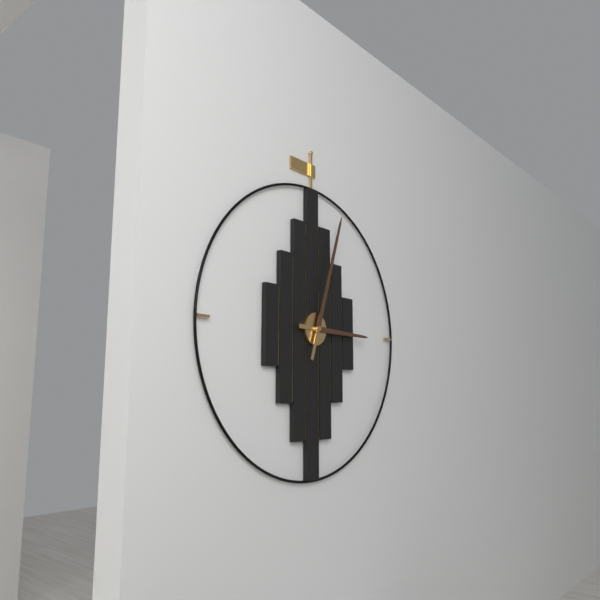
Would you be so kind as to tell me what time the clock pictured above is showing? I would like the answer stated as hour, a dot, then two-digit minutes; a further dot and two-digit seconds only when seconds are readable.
3.03
